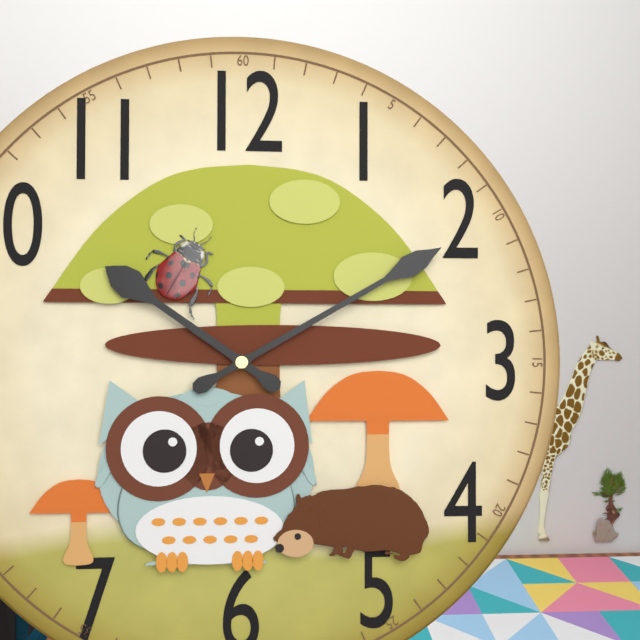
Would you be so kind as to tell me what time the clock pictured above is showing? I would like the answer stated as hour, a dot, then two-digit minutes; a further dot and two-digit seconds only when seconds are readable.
10.10
